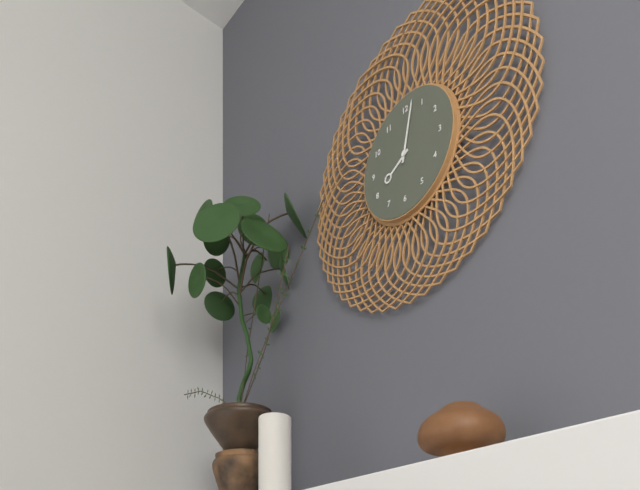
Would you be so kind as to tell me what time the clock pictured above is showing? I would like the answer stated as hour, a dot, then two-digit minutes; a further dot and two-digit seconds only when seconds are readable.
8.02
